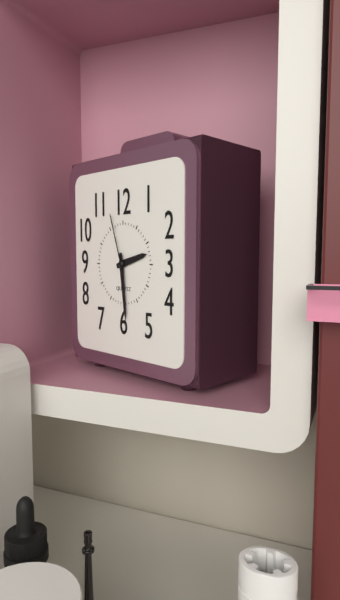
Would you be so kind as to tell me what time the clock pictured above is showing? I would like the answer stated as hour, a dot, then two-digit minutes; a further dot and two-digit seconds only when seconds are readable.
2.29.57
